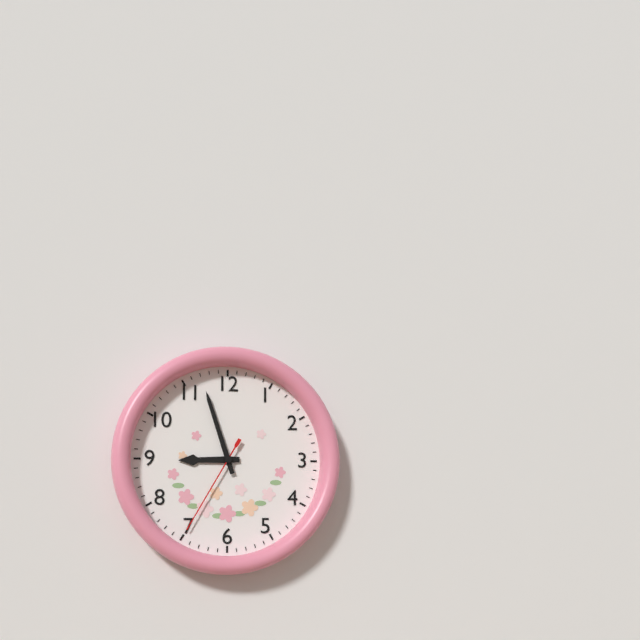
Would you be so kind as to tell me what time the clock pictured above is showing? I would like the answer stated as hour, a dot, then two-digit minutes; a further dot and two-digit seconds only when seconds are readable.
8.57.35
